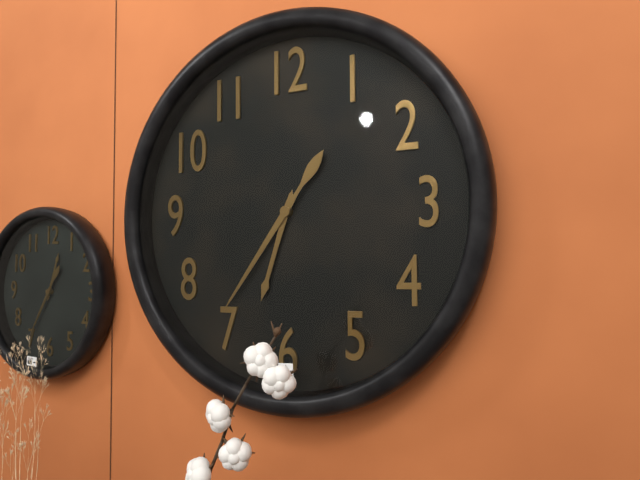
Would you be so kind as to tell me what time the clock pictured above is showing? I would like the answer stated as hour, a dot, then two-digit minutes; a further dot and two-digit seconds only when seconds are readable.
6.36
